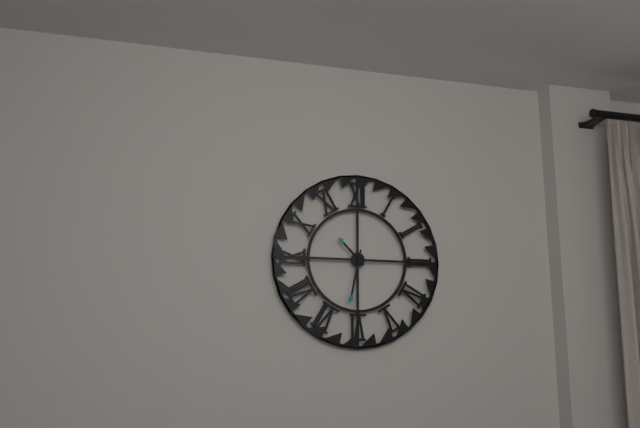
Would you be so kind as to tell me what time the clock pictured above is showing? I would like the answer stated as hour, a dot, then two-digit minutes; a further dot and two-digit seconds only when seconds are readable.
10.32
